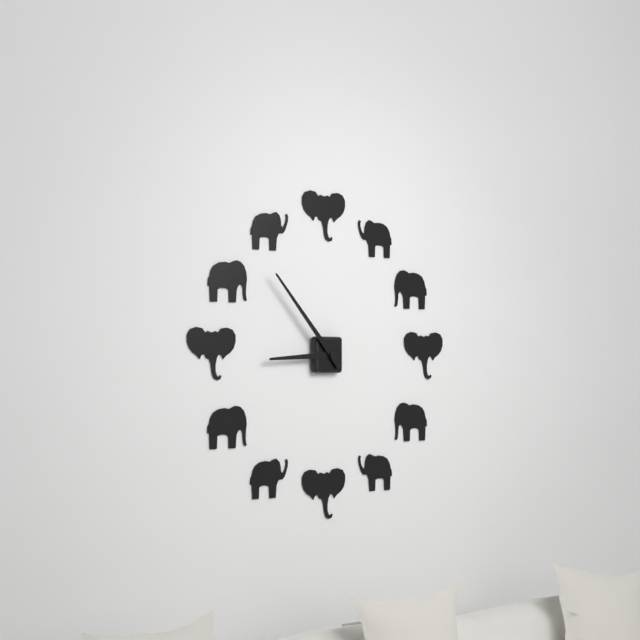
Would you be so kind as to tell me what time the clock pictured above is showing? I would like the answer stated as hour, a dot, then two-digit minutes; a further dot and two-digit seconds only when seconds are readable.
8.53
